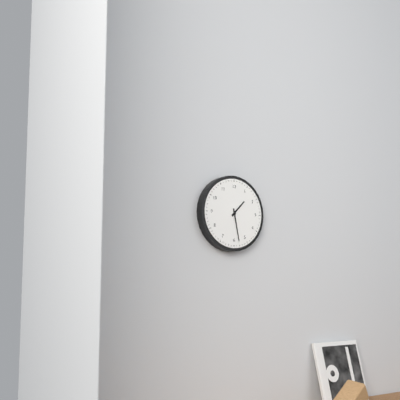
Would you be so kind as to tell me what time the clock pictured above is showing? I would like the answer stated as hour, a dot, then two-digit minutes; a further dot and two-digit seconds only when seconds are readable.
1.28
